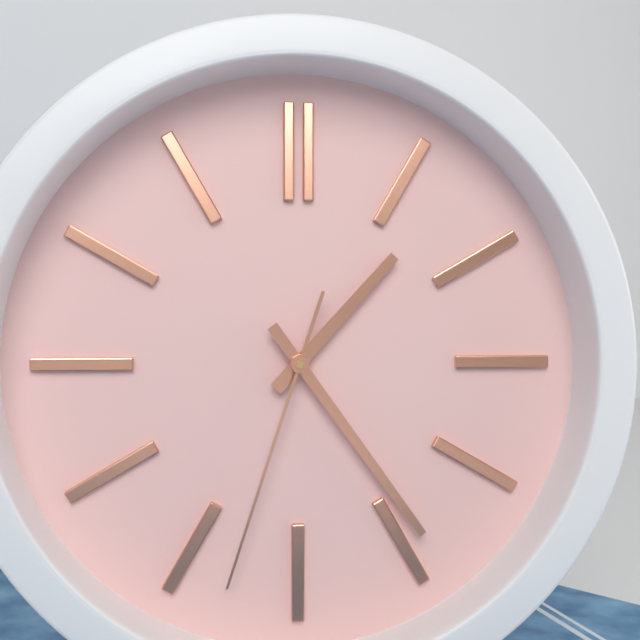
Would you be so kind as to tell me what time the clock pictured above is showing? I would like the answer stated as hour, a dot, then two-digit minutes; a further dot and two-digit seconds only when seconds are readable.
1.24.33
